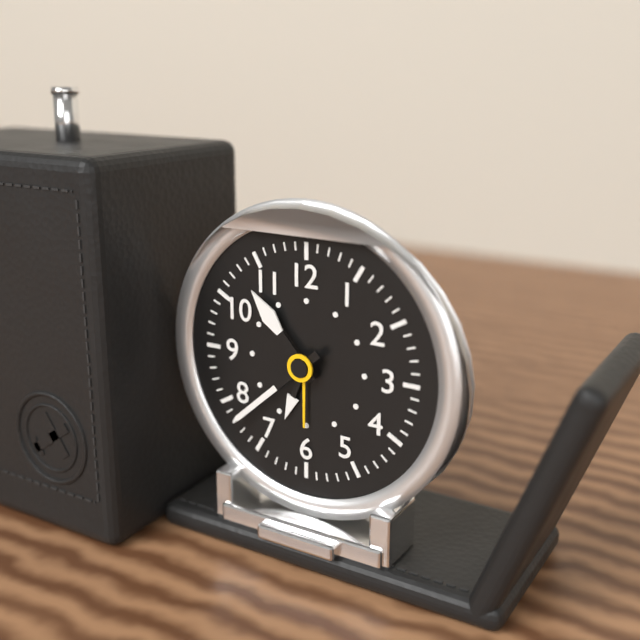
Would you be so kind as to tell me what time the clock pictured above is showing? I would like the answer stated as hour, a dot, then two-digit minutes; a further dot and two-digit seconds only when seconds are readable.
10.38
